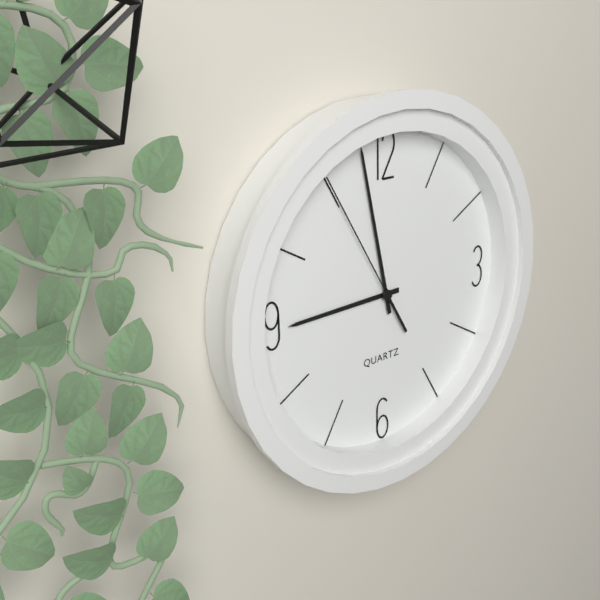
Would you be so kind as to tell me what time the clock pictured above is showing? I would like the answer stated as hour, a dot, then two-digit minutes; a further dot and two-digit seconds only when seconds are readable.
8.58.55
